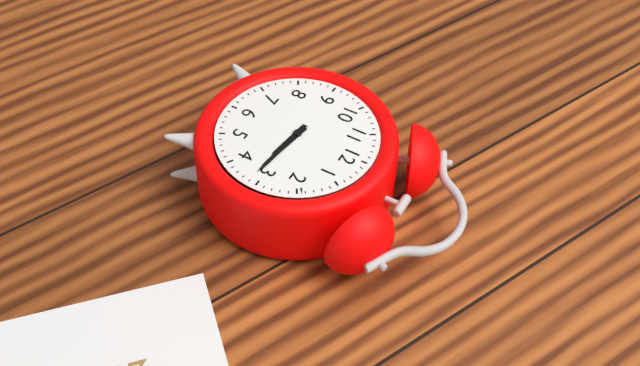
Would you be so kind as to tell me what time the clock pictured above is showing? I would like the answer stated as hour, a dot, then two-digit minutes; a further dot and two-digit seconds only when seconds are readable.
3.16
